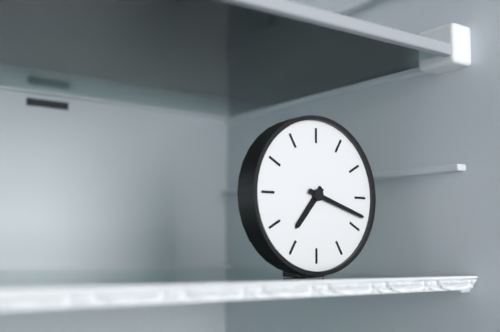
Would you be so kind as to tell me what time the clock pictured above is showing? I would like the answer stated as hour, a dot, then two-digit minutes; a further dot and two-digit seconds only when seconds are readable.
7.18
